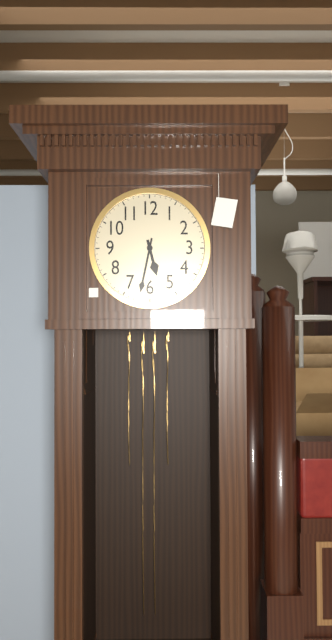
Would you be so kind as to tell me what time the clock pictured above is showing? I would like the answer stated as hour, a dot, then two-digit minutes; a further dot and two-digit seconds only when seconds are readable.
5.32
